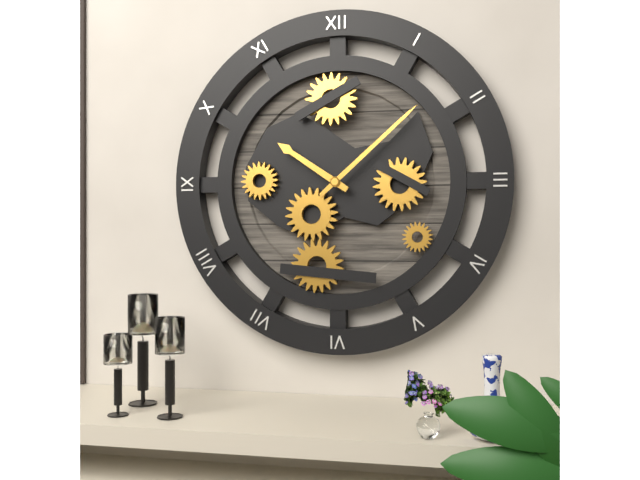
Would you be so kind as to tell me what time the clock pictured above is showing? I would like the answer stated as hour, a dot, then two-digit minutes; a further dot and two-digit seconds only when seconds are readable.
10.08
